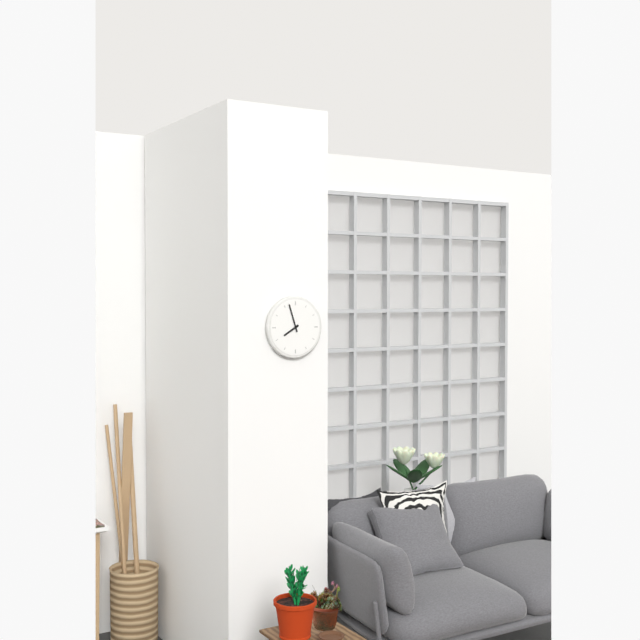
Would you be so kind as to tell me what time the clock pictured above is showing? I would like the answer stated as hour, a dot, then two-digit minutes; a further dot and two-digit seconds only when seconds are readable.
7.57
